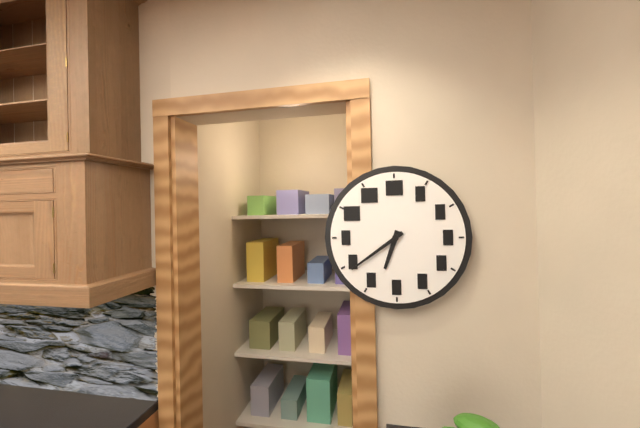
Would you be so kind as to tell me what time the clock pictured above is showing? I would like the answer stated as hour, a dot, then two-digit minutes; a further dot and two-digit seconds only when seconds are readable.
6.39
